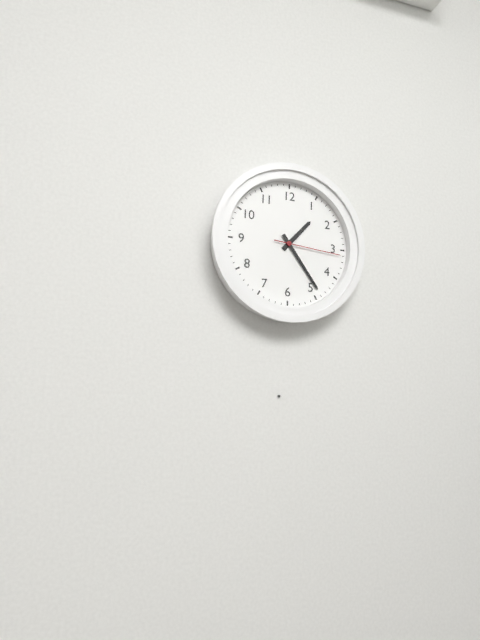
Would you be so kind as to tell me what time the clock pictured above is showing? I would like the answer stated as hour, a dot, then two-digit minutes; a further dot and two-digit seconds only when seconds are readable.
1.24.16
